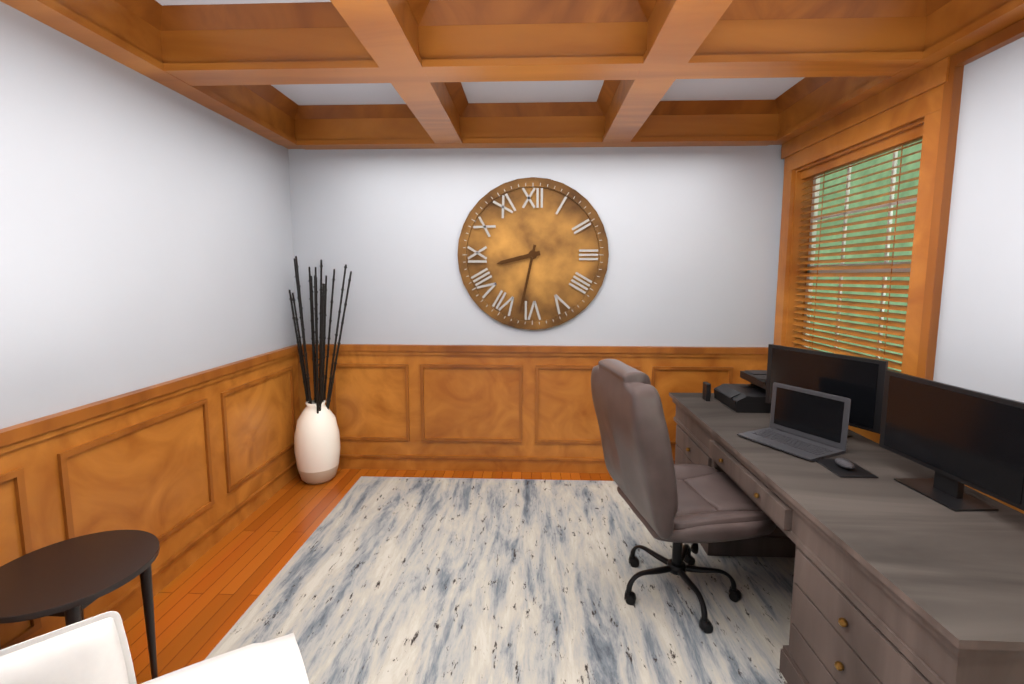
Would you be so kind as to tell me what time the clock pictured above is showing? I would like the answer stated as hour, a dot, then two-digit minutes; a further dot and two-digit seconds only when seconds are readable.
8.32
